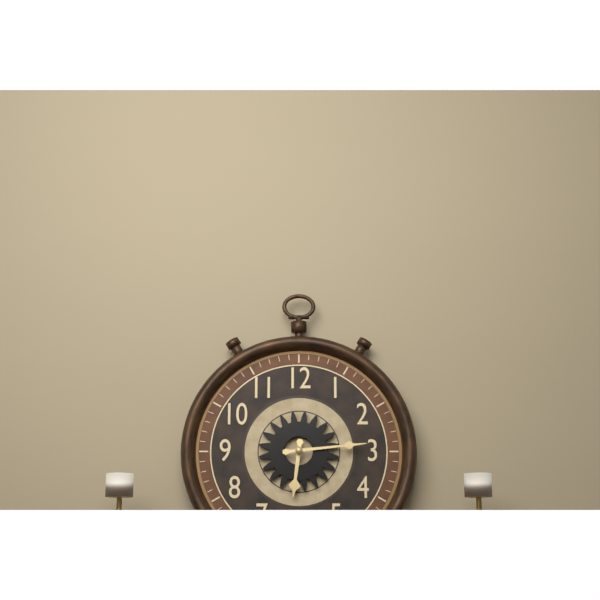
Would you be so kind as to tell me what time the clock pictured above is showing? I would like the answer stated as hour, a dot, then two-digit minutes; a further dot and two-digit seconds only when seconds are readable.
6.14
